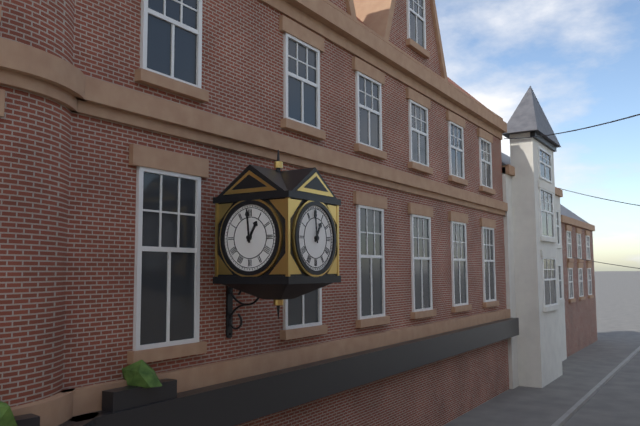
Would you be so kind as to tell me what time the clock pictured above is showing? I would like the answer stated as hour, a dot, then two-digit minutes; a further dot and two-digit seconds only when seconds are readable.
12.59
